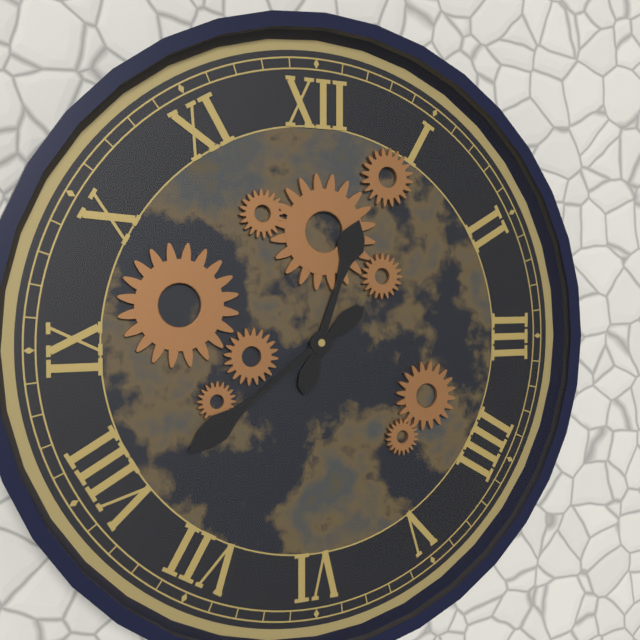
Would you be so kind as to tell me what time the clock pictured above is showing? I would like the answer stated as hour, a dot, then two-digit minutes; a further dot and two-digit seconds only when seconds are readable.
12.39
